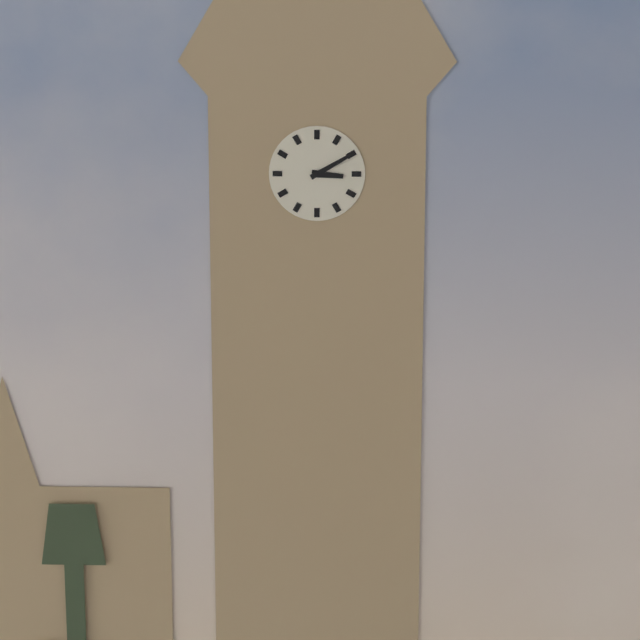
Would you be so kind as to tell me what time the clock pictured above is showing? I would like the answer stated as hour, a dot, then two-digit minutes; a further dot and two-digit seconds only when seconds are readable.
3.10
